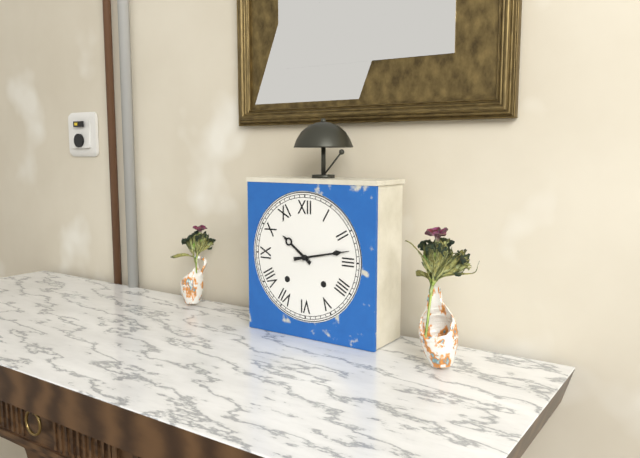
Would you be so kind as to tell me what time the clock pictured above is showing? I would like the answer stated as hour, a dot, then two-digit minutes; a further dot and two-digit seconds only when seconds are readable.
10.13
